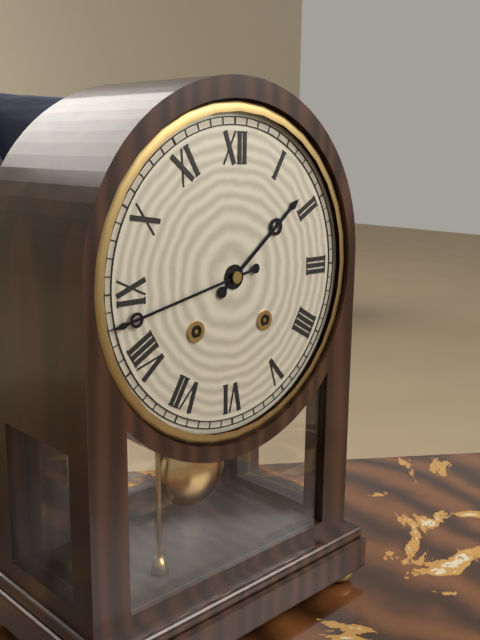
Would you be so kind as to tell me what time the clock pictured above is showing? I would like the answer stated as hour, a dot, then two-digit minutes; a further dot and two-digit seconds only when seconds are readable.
1.43
